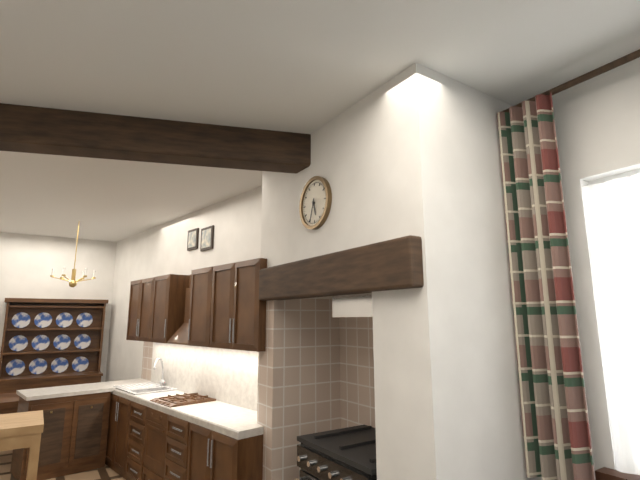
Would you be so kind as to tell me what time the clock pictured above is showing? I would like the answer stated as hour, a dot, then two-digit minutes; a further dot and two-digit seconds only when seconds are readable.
5.33
